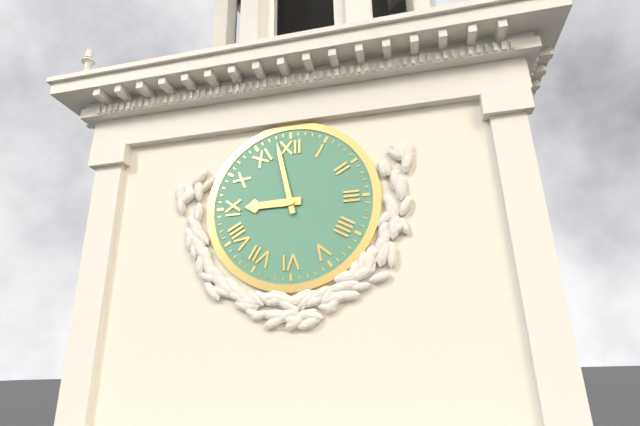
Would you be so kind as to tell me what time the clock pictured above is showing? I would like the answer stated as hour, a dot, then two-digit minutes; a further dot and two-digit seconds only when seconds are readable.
8.58
